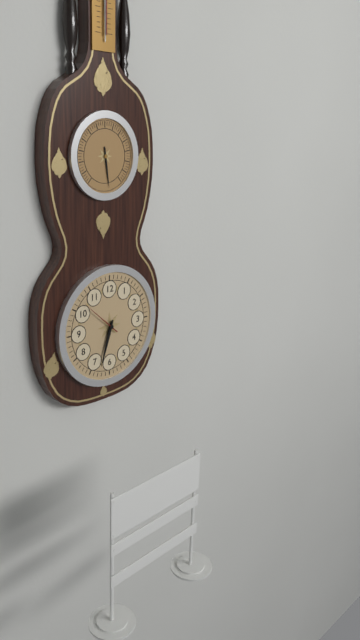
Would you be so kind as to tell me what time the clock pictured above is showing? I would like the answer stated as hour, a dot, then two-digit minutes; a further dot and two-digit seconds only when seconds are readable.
6.33
